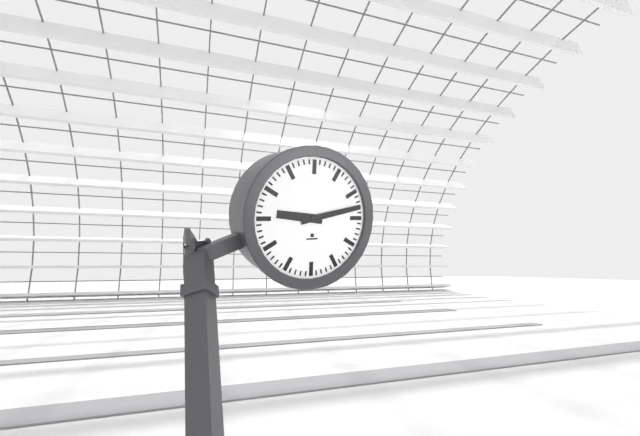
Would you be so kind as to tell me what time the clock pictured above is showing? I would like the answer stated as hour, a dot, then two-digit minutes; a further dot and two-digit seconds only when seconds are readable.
9.13
